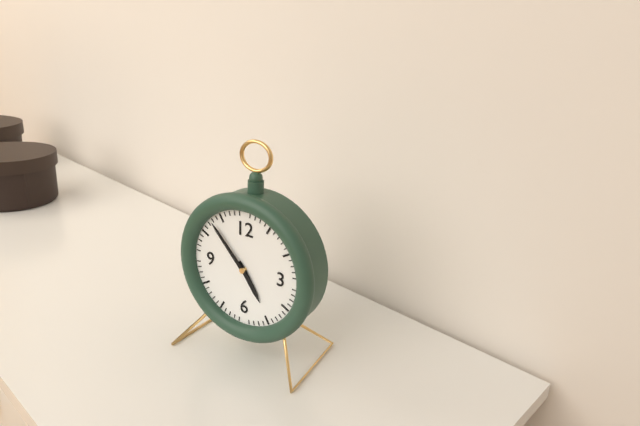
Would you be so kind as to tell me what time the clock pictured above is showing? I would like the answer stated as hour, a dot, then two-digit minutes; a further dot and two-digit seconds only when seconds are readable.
4.53
